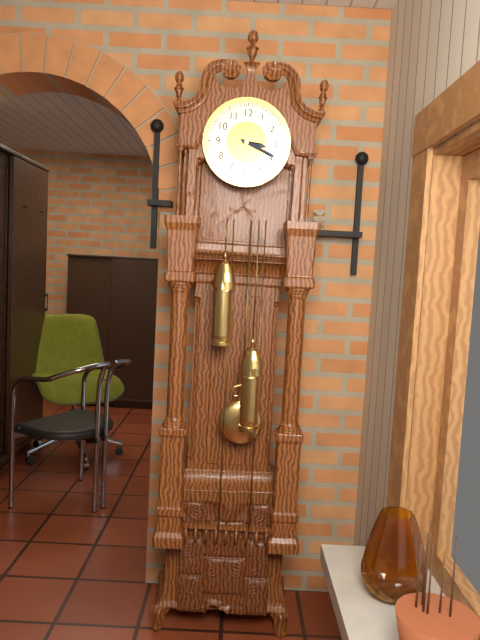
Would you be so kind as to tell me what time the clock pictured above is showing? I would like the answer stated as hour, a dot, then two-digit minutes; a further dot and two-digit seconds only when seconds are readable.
3.19
